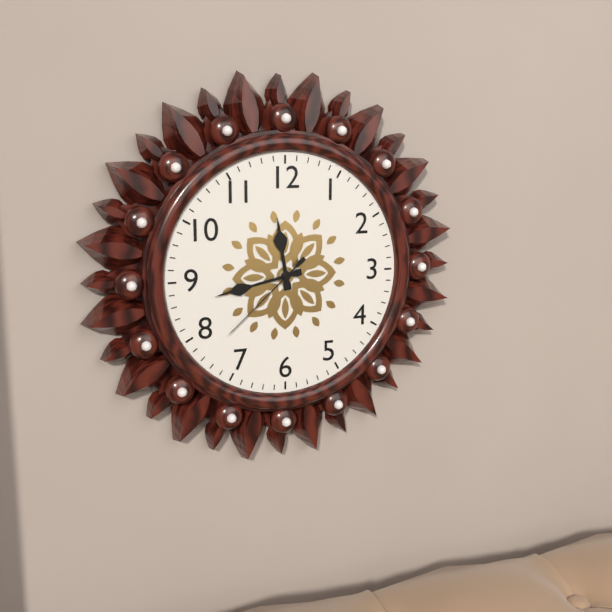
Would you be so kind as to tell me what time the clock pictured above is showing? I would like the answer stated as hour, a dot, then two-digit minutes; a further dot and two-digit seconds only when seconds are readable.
11.43.38
